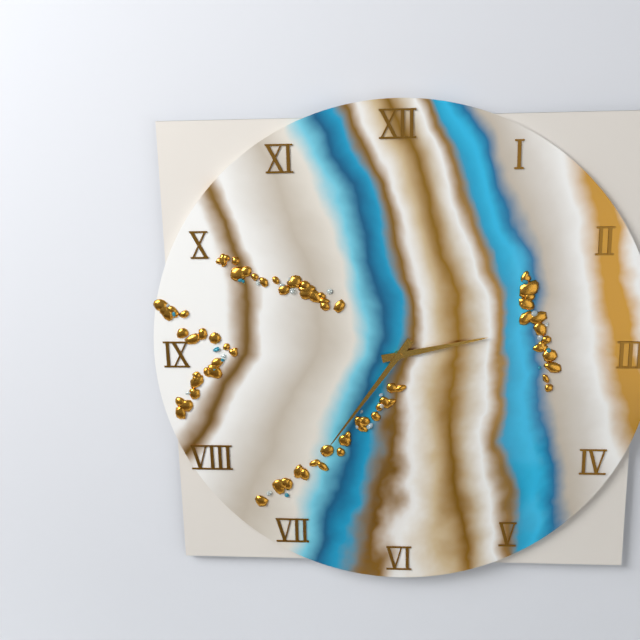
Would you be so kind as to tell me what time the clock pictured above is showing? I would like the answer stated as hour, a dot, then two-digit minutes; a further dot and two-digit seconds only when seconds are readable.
2.36
